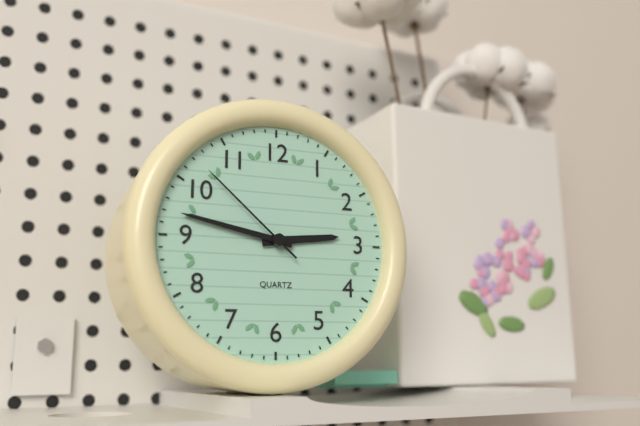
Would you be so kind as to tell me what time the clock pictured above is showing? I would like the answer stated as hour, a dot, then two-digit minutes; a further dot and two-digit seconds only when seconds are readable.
2.47.52
